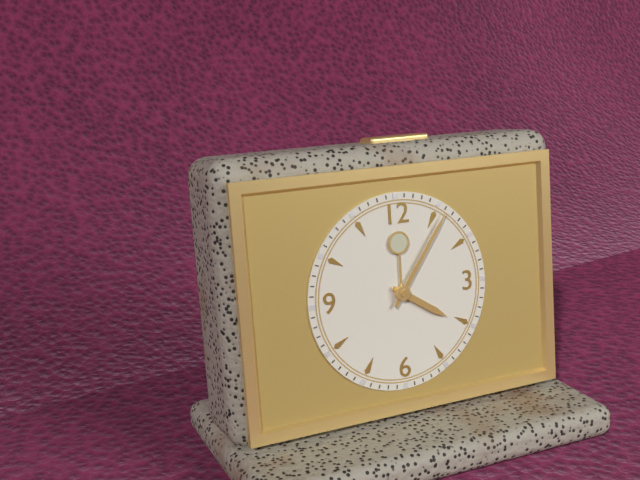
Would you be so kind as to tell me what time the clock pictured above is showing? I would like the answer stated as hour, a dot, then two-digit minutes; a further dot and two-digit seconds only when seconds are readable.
4.06
